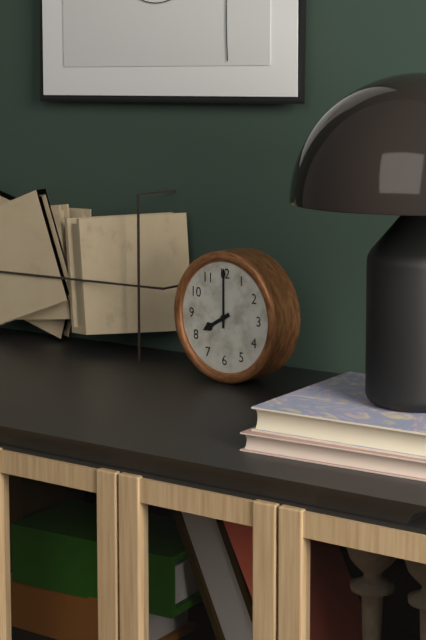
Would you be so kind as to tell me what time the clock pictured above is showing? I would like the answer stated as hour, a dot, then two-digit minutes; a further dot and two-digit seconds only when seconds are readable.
8.00
